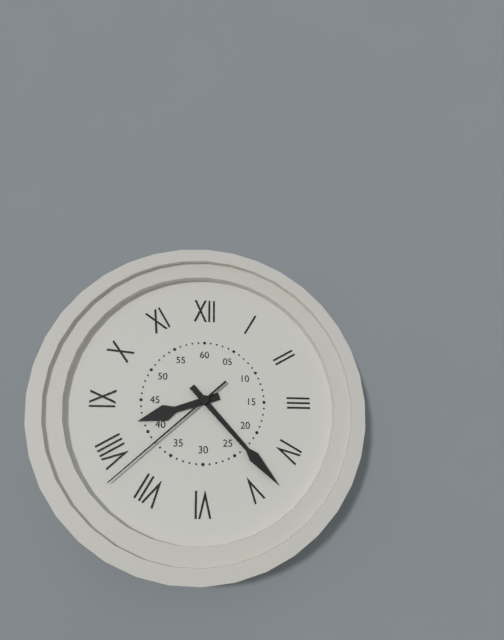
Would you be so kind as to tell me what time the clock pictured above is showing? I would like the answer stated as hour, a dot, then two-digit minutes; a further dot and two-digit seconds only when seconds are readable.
8.23.38
